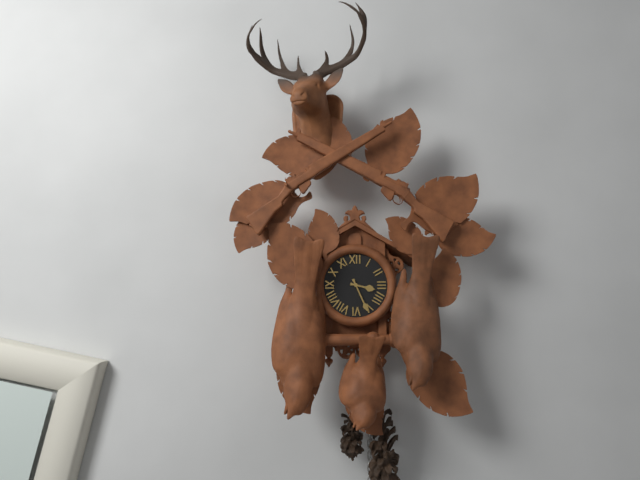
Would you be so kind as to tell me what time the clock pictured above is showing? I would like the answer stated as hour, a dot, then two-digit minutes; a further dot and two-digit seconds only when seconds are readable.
3.26
